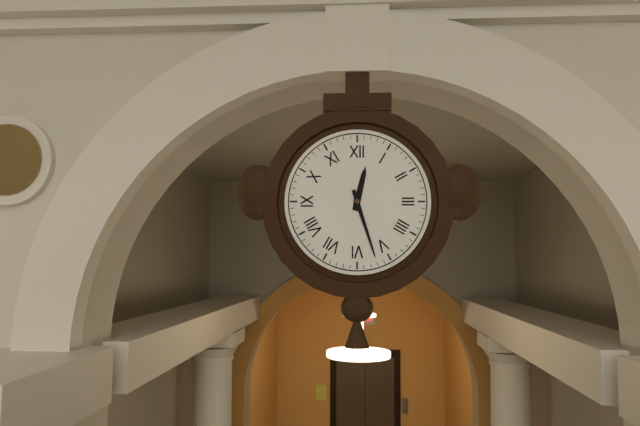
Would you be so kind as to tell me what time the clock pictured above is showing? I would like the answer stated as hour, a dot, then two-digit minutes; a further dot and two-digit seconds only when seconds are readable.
12.27
